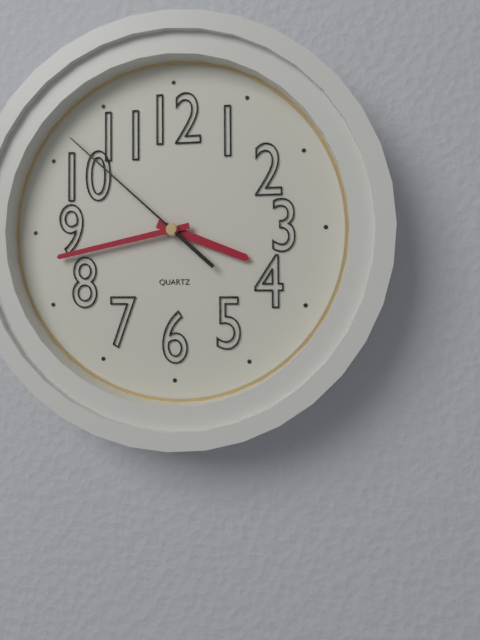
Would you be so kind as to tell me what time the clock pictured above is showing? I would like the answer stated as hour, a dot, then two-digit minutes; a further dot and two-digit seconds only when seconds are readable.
3.43.52
